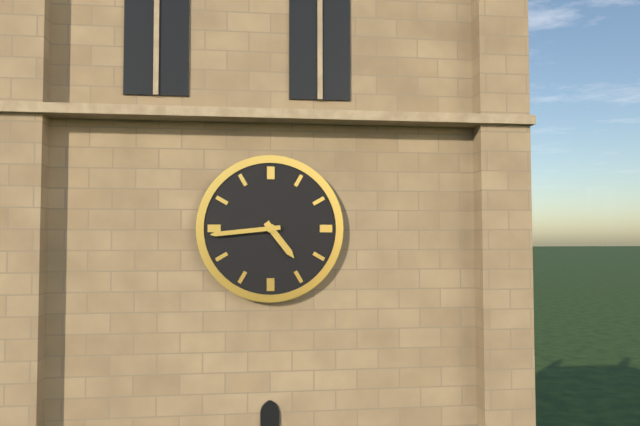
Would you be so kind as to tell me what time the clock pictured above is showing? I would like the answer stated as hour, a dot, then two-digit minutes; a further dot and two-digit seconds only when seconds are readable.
4.44
